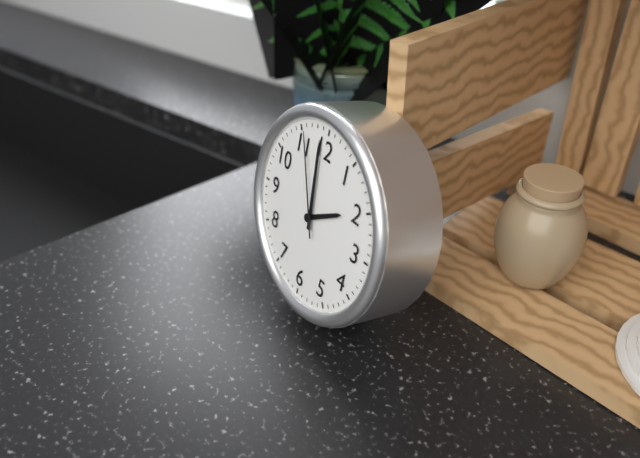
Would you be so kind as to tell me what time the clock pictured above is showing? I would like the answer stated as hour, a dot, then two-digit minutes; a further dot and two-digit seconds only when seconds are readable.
1.59.56
